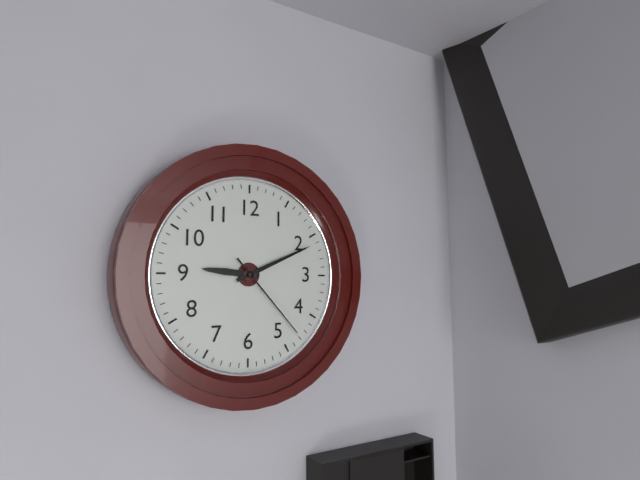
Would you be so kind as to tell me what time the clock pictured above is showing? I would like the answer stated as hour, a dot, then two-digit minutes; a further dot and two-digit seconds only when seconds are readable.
9.11.23
